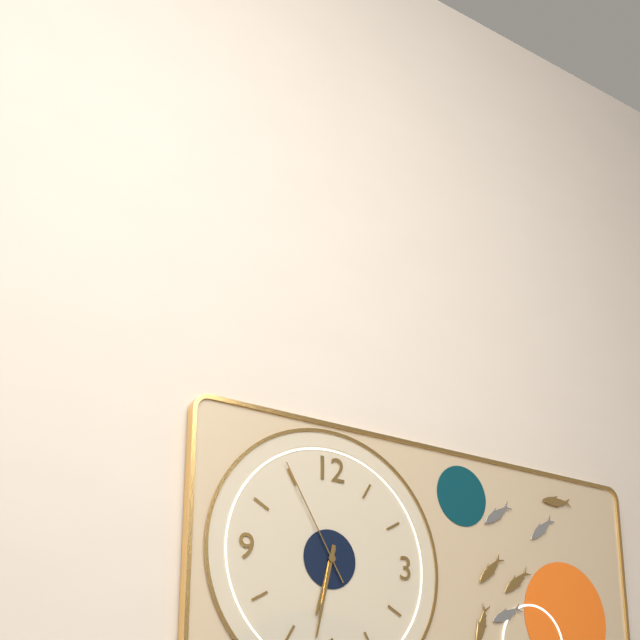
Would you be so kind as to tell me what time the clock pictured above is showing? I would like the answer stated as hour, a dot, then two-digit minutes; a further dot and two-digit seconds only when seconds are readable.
6.32.55
